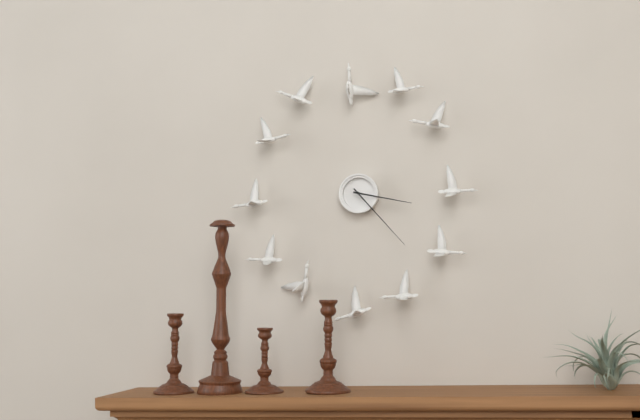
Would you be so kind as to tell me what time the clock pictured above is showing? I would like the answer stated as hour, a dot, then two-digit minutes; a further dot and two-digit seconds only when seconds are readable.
3.23
